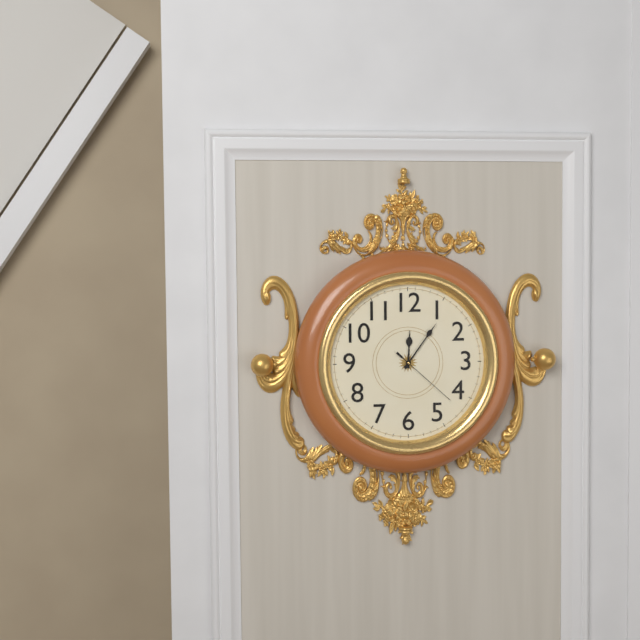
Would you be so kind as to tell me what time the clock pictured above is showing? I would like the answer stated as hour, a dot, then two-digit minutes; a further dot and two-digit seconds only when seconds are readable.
12.06.22
